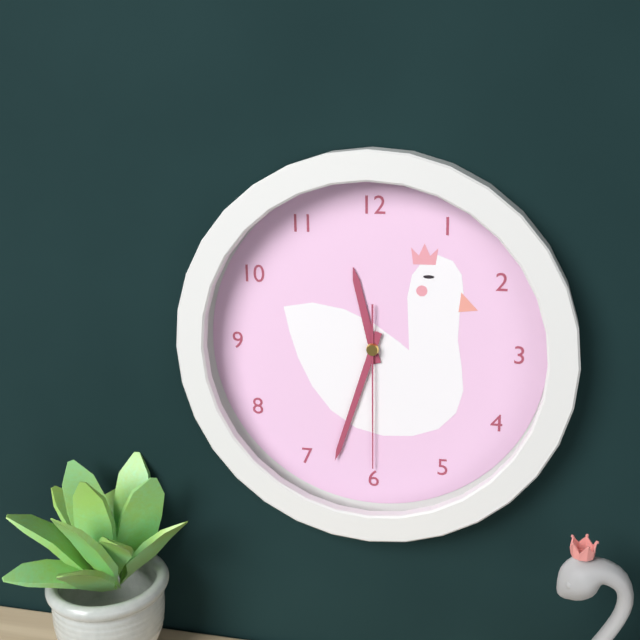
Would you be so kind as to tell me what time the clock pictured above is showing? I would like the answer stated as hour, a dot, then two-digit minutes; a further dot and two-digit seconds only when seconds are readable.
11.33.30
